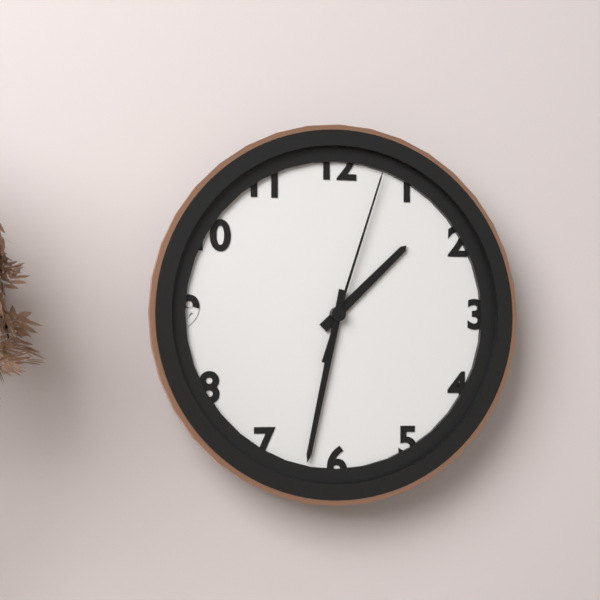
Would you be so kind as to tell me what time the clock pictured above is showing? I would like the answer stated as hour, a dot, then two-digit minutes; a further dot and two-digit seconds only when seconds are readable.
1.32.03
